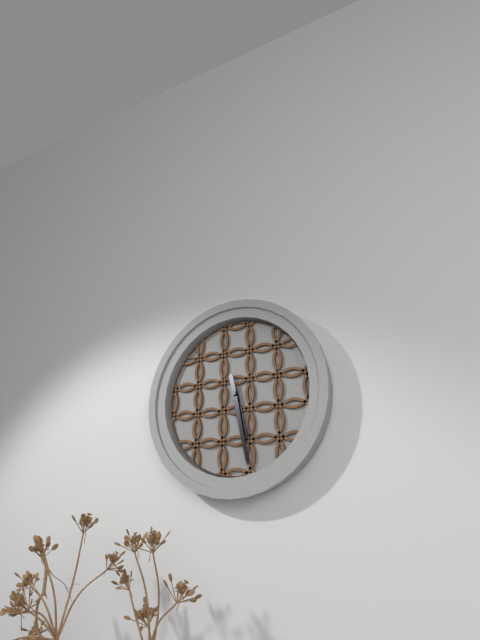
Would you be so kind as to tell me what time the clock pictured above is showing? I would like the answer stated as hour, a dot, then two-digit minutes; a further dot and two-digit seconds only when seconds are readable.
5.28
